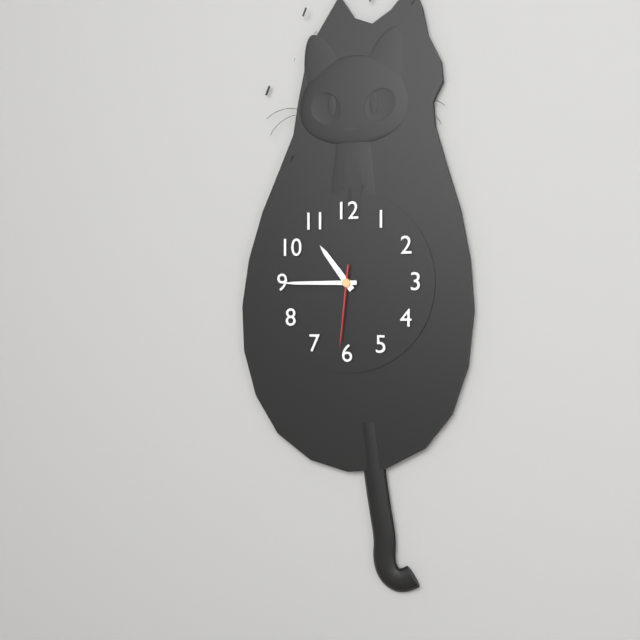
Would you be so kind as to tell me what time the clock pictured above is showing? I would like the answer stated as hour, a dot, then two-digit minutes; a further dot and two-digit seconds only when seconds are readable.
10.45.31
